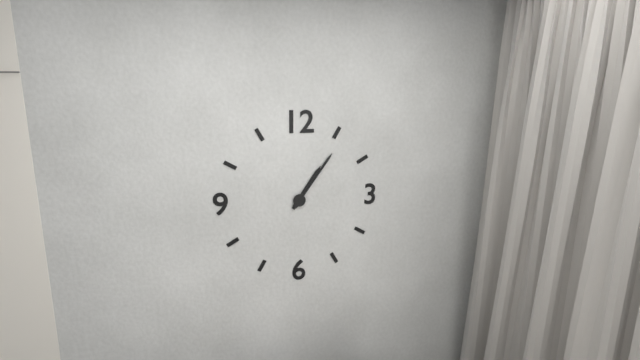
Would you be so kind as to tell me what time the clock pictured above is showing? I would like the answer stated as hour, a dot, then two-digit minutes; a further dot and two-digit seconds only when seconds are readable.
1.06
